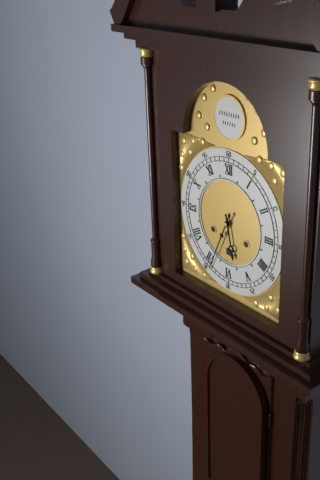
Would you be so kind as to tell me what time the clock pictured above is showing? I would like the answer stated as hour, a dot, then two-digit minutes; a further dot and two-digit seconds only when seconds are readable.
5.34
